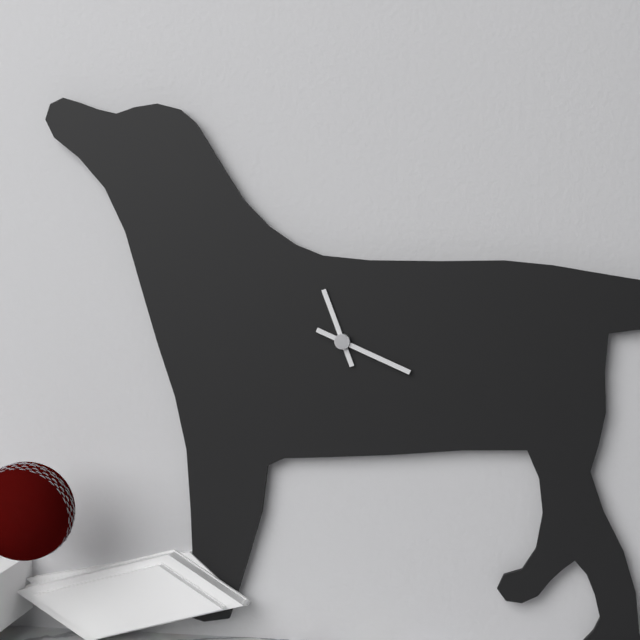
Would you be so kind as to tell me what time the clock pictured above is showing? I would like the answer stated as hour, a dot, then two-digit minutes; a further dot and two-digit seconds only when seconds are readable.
11.19
